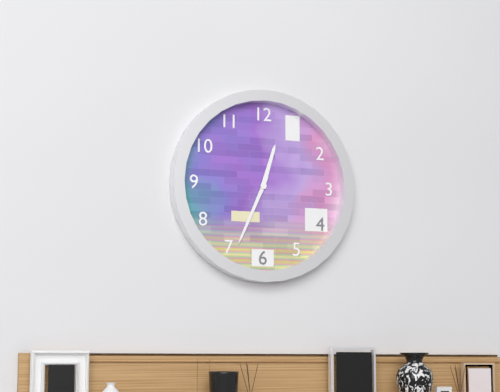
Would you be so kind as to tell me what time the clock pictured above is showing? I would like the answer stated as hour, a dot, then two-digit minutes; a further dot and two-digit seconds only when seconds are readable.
12.34
